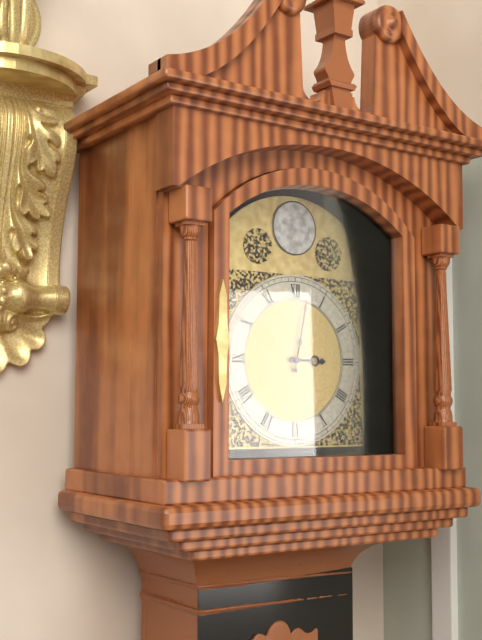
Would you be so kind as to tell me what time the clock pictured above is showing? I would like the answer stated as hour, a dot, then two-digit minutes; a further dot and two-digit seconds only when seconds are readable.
3.02
